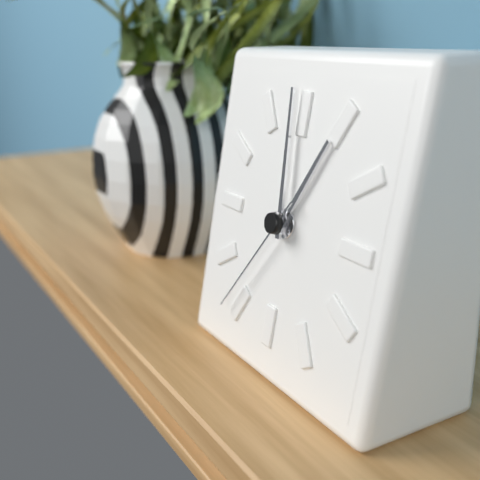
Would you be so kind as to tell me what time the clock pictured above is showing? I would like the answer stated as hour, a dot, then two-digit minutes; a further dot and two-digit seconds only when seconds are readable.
12.59.36
